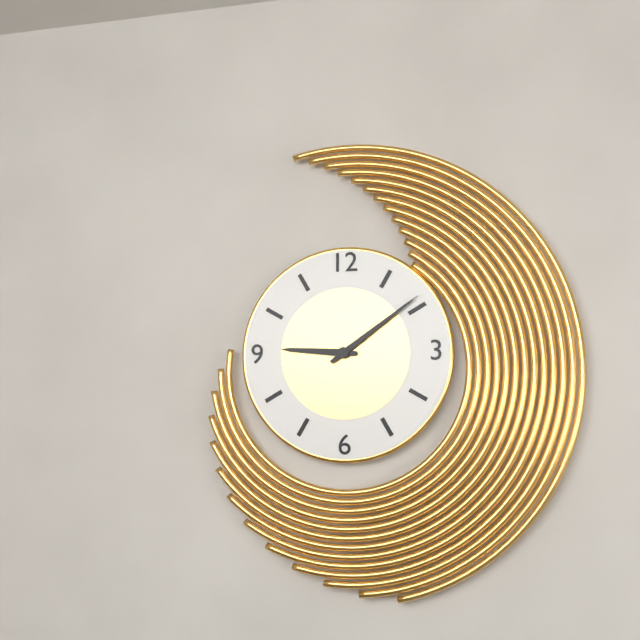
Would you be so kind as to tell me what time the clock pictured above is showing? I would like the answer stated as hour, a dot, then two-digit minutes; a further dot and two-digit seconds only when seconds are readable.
9.09
